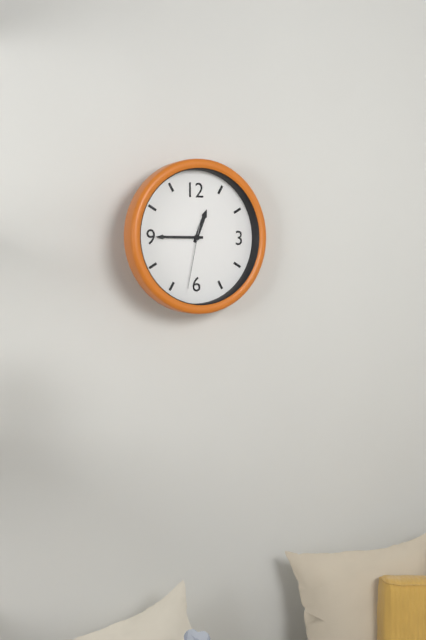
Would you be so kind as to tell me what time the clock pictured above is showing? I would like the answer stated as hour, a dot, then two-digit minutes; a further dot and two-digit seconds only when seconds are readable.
12.45.32
